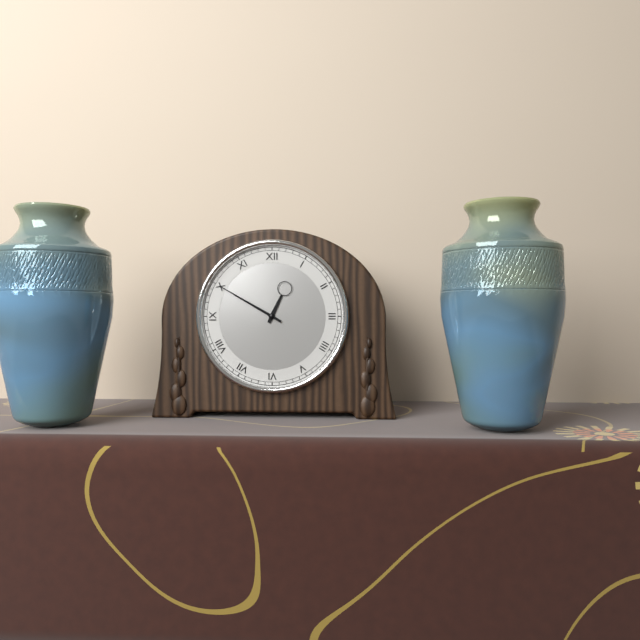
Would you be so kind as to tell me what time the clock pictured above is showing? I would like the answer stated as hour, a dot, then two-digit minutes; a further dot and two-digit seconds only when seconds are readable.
12.50
